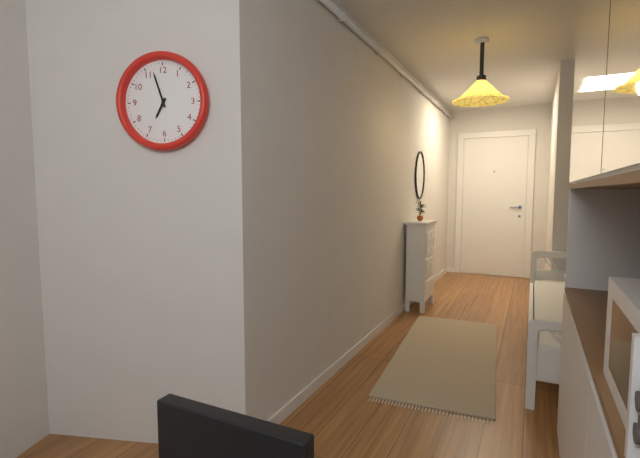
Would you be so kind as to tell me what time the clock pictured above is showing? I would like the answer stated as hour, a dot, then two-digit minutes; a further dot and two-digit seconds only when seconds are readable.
6.57
